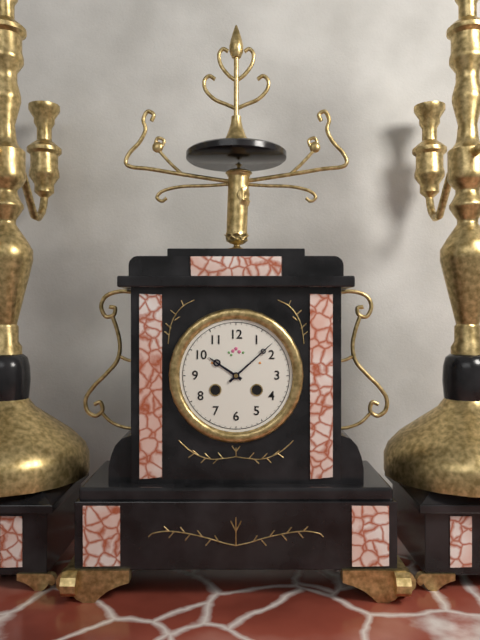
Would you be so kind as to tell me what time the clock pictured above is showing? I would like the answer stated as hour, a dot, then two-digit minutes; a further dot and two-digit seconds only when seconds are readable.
10.08
